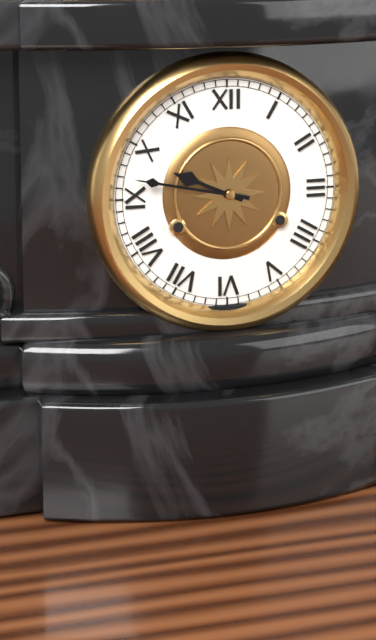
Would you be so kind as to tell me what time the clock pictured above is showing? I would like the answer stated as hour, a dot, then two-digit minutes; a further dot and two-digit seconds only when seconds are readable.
9.47
